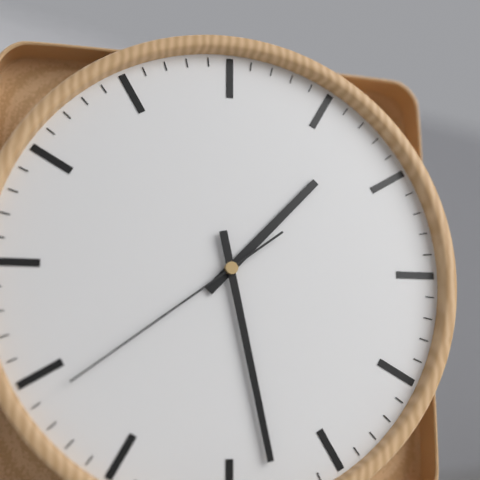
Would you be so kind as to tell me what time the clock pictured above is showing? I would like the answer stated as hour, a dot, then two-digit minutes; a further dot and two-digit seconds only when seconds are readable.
1.28.39
